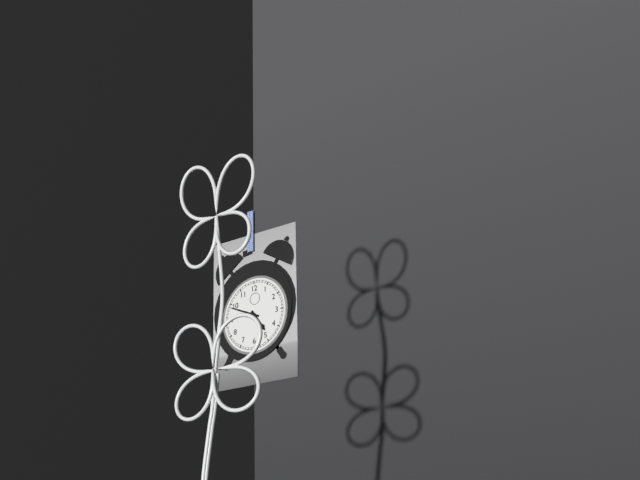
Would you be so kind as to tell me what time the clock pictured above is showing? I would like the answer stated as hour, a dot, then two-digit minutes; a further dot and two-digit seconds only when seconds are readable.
4.49
